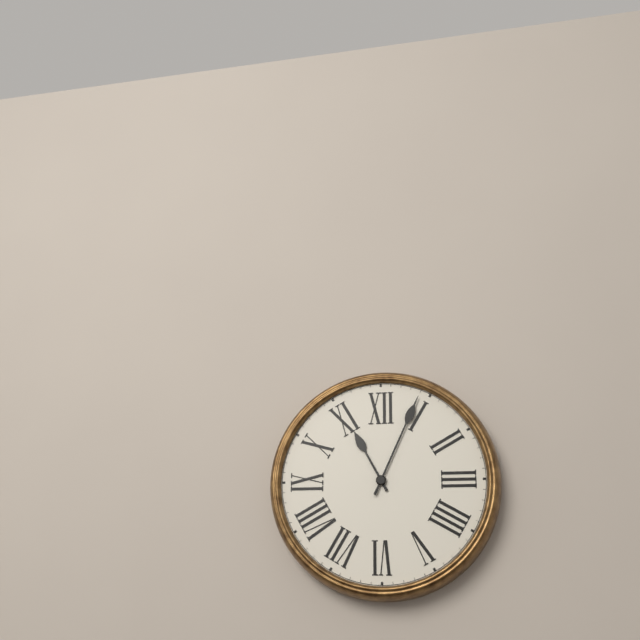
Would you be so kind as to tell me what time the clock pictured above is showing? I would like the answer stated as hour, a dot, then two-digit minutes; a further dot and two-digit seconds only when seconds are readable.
11.04
